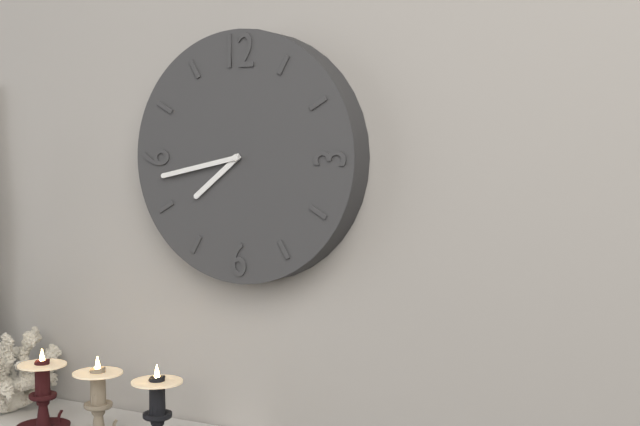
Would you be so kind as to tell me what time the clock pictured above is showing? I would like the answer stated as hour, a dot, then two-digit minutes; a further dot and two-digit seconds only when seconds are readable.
7.43
